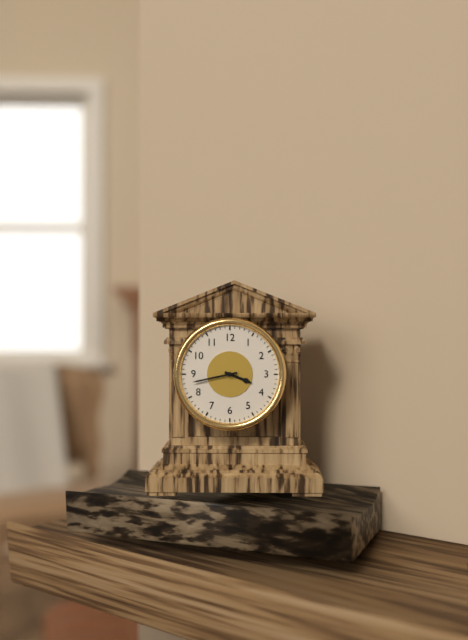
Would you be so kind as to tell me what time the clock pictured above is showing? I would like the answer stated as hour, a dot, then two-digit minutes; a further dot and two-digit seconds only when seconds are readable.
3.43
